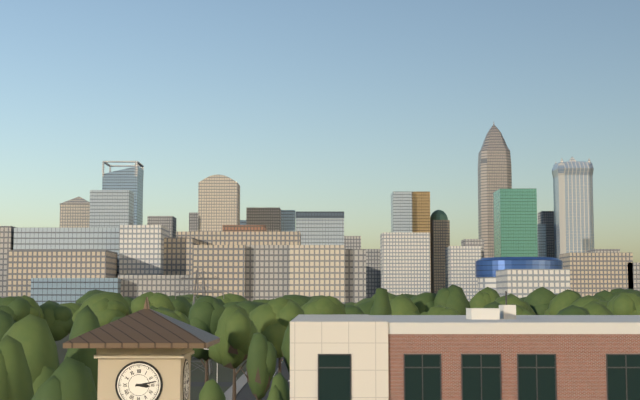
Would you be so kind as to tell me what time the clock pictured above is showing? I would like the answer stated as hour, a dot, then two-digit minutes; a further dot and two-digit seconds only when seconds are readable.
3.13
